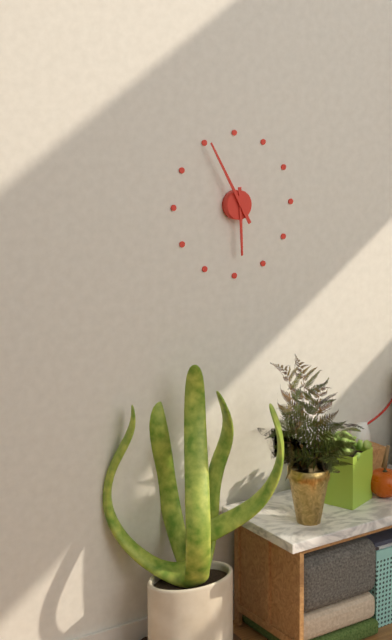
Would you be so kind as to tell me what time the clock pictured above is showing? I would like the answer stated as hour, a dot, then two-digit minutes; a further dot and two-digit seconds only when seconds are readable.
5.55
